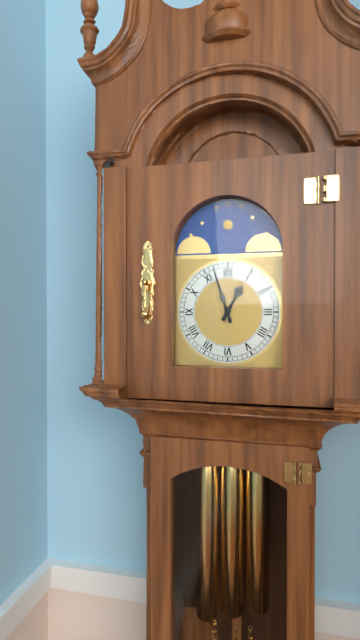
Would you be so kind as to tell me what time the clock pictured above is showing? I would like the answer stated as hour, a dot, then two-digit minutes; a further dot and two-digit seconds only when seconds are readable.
12.57
